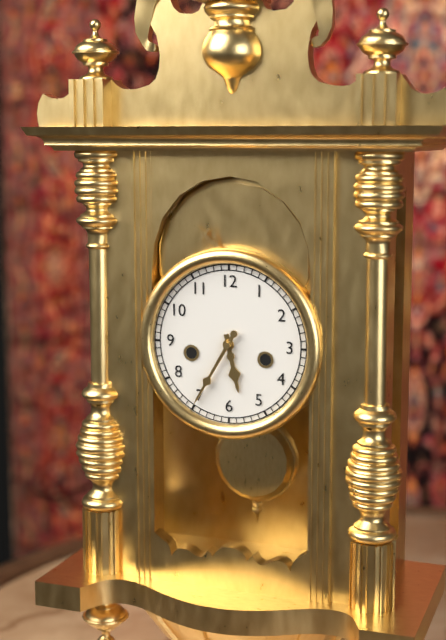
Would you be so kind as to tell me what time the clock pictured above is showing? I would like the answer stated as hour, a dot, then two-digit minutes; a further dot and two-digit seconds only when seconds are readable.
5.35
